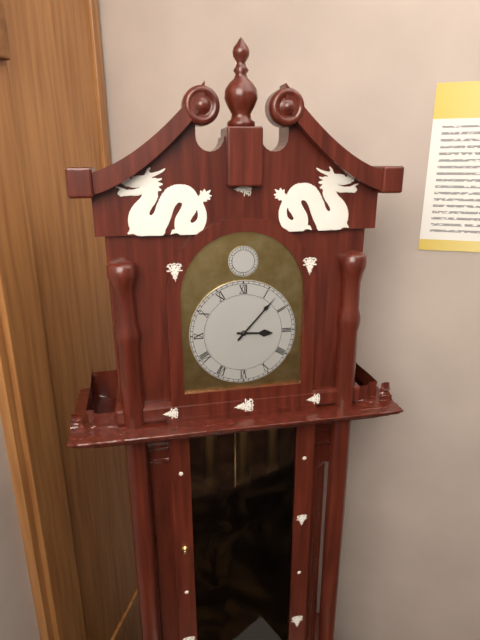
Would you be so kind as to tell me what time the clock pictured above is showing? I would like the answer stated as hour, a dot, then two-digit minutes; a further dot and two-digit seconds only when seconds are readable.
3.07
